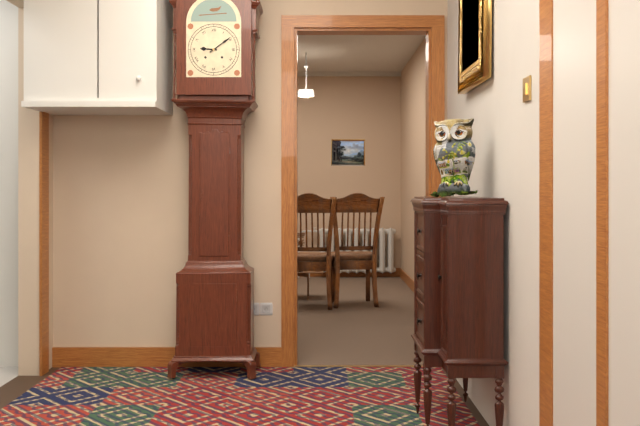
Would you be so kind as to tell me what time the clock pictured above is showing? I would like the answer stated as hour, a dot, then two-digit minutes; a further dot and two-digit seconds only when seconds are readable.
9.09
